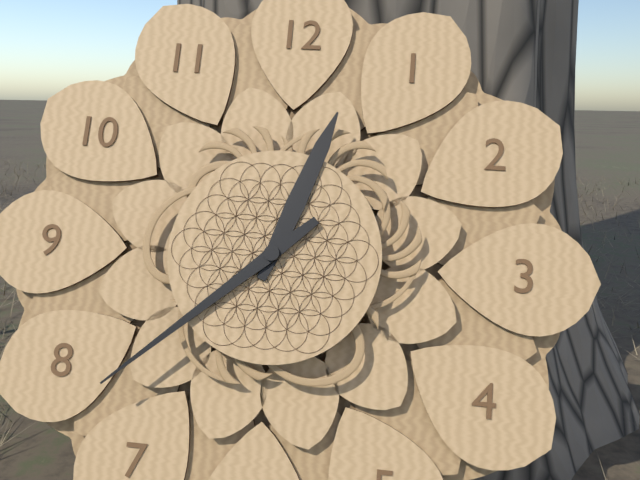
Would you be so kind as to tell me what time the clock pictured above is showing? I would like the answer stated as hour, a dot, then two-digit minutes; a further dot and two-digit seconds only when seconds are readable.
12.38
